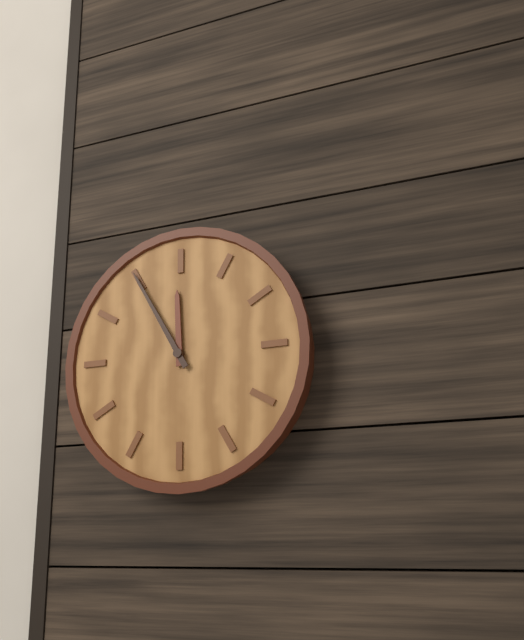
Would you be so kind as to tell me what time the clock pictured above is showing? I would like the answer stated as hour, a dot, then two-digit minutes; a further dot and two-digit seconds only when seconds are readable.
11.55
